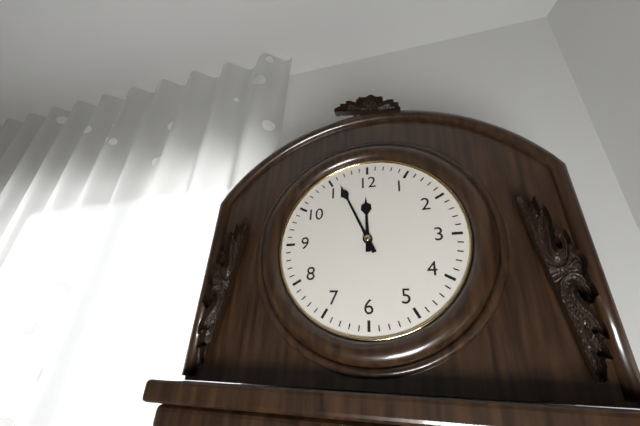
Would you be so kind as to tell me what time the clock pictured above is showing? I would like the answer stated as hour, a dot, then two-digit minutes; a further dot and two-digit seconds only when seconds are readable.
11.56
